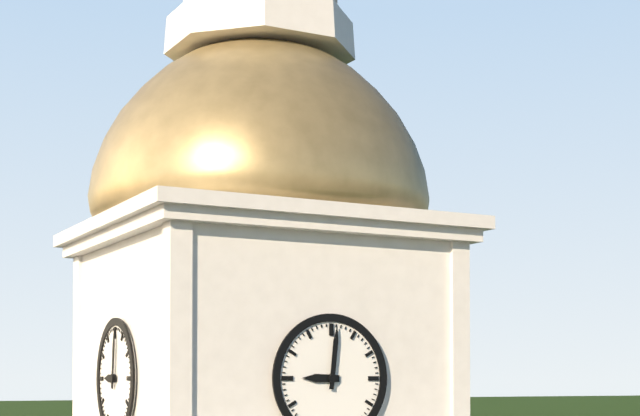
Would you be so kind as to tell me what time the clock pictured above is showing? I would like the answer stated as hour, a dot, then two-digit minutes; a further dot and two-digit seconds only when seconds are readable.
9.01
